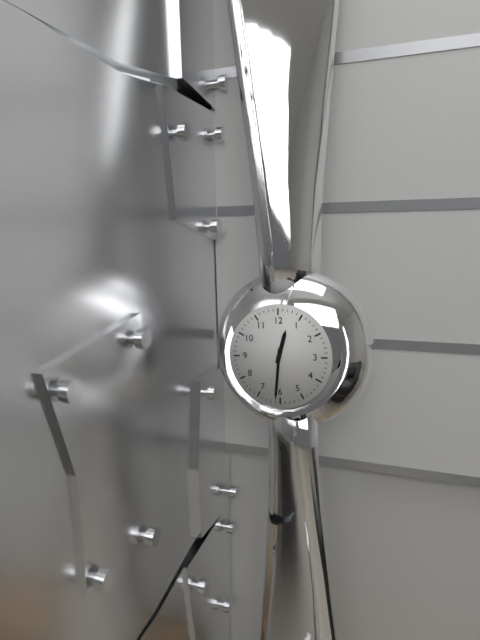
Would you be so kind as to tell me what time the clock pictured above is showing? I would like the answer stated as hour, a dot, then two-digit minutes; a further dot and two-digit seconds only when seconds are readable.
12.31
